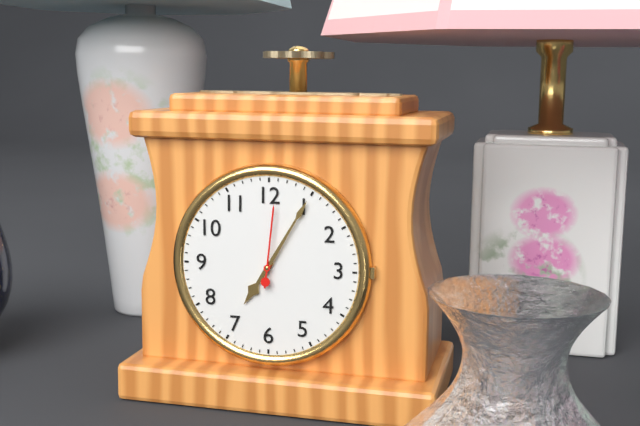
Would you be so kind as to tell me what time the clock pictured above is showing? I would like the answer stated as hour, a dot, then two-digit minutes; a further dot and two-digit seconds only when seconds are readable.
7.05.01
